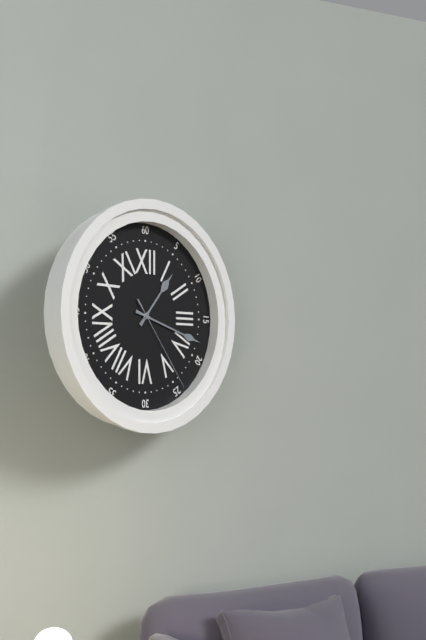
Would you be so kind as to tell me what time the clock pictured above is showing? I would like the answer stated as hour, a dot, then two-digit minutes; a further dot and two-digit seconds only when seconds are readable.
1.18.24
